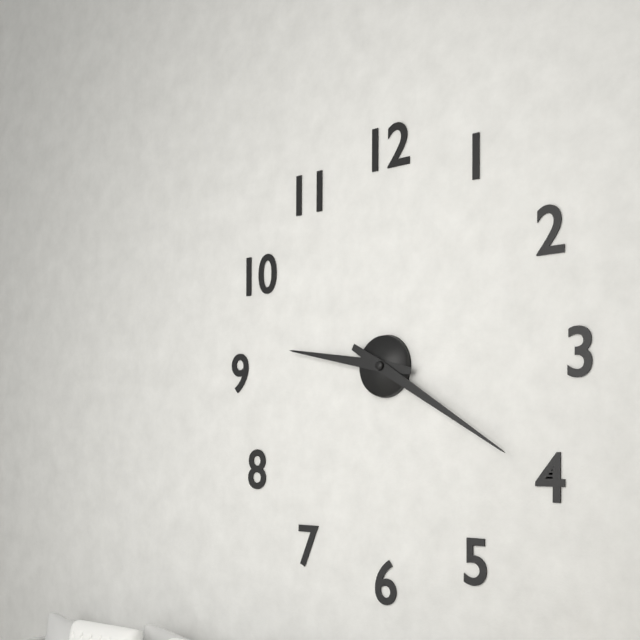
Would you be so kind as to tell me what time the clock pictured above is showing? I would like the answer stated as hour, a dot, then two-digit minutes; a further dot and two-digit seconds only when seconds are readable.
9.20
